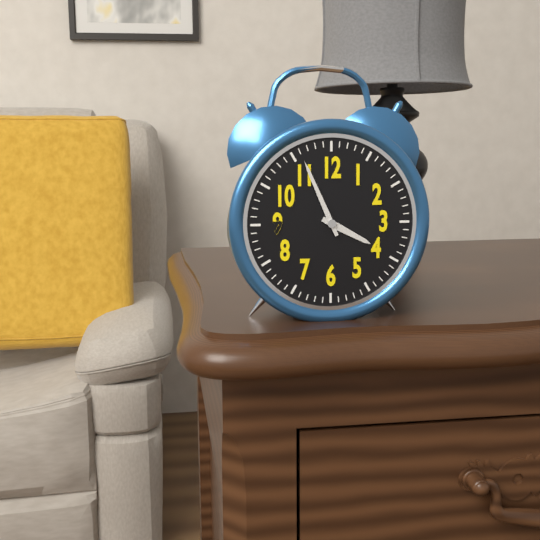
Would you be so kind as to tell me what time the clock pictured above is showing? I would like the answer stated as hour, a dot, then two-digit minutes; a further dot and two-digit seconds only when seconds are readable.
3.56
